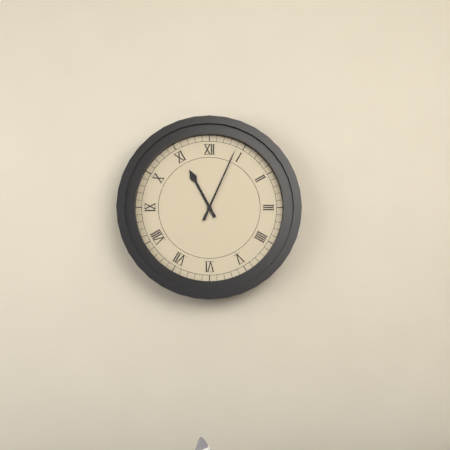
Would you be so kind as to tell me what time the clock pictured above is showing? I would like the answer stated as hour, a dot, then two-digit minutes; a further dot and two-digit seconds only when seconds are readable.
11.04
